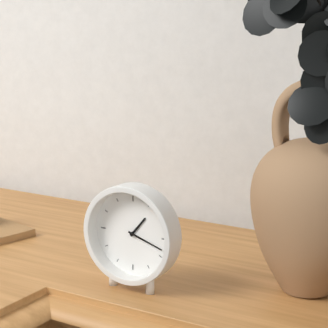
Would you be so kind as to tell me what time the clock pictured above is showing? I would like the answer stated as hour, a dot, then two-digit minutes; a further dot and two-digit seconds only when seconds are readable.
1.18
